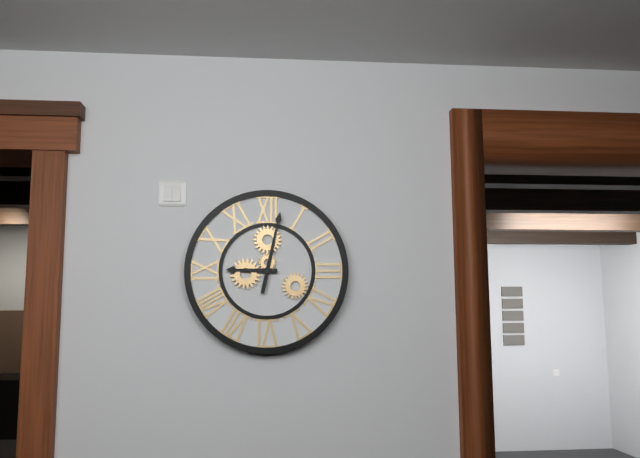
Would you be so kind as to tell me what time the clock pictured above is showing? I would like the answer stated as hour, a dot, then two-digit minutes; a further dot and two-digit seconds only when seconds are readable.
9.02
